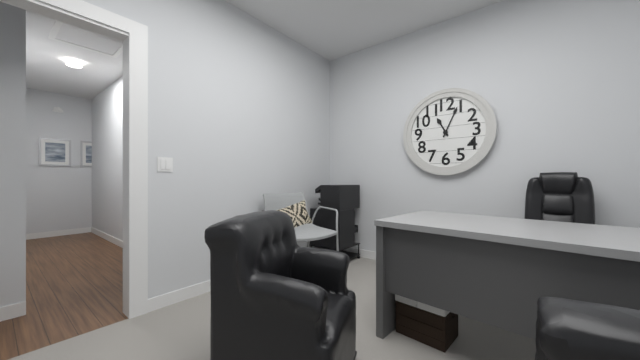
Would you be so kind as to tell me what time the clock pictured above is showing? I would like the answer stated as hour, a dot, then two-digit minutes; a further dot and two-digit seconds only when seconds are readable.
11.04
